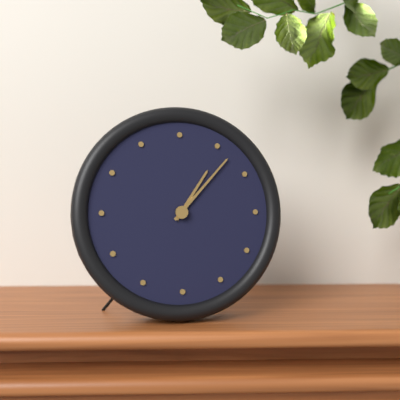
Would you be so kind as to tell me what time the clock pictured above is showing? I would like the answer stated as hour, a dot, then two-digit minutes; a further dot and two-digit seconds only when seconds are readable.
1.07
